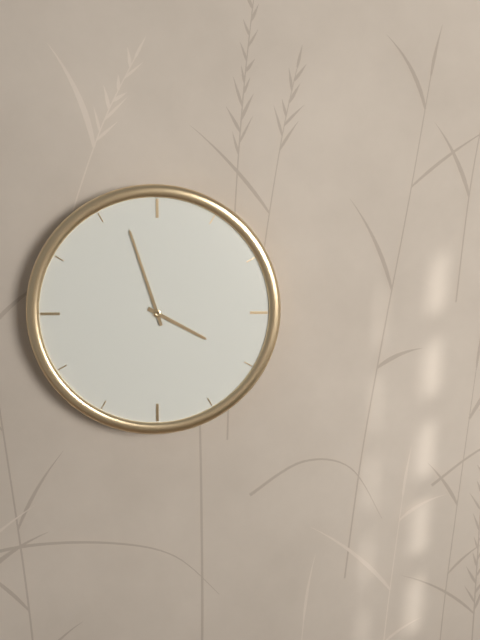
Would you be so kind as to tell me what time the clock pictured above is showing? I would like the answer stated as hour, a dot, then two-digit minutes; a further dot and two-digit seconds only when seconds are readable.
3.57
